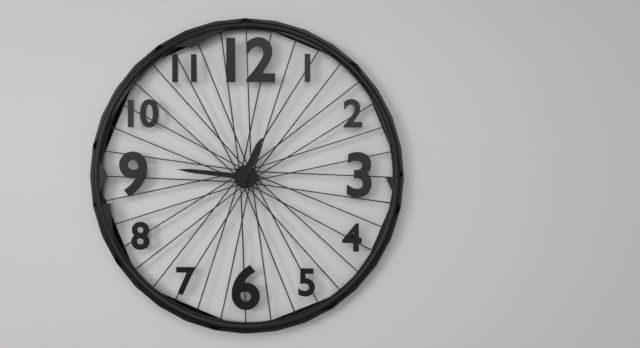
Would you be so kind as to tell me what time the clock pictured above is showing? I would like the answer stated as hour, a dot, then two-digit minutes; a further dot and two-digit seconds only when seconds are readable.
12.46
